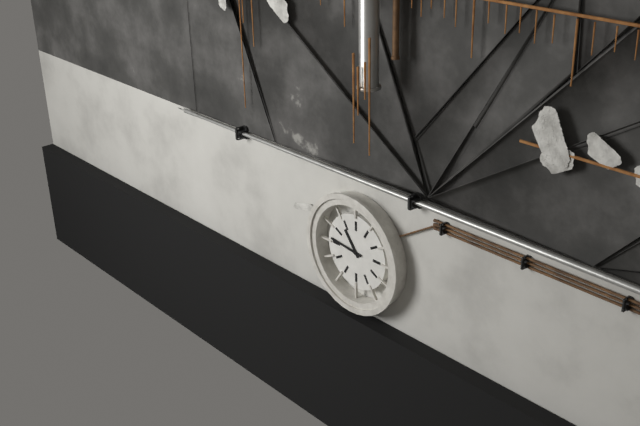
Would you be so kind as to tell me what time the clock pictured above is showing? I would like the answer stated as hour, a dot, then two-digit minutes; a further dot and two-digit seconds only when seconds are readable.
10.46
